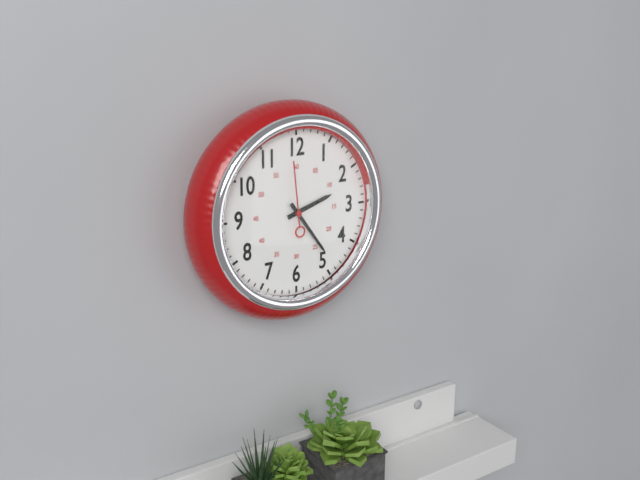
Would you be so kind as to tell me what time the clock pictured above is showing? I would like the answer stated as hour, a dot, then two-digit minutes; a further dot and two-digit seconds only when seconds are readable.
2.24.59
